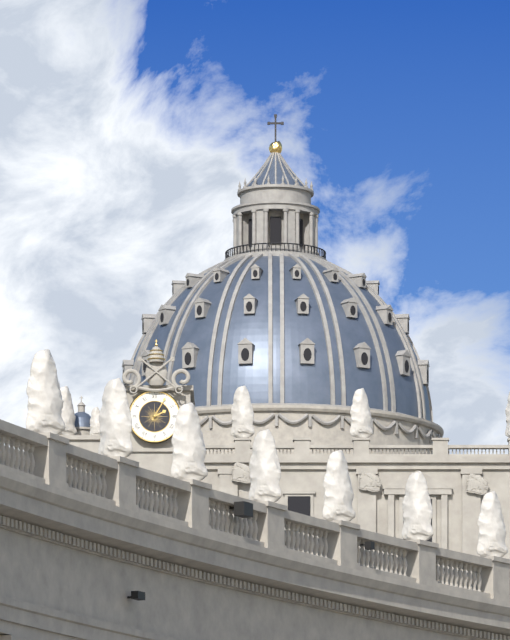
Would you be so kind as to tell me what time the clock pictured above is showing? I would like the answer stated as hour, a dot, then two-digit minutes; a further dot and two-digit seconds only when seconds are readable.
2.05
